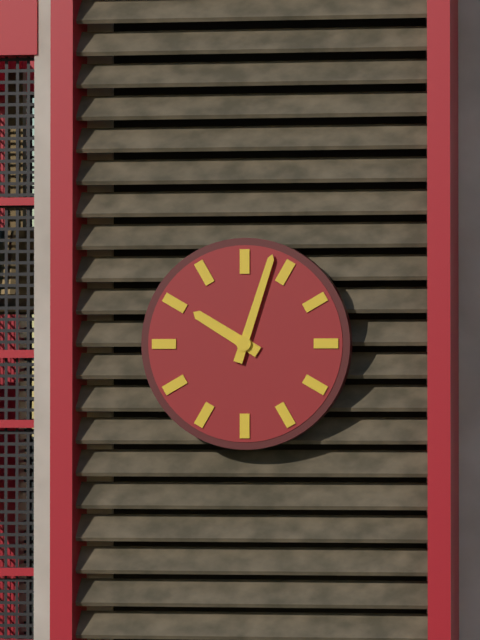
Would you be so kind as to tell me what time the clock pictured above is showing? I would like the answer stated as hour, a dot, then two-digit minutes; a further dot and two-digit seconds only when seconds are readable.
10.03
